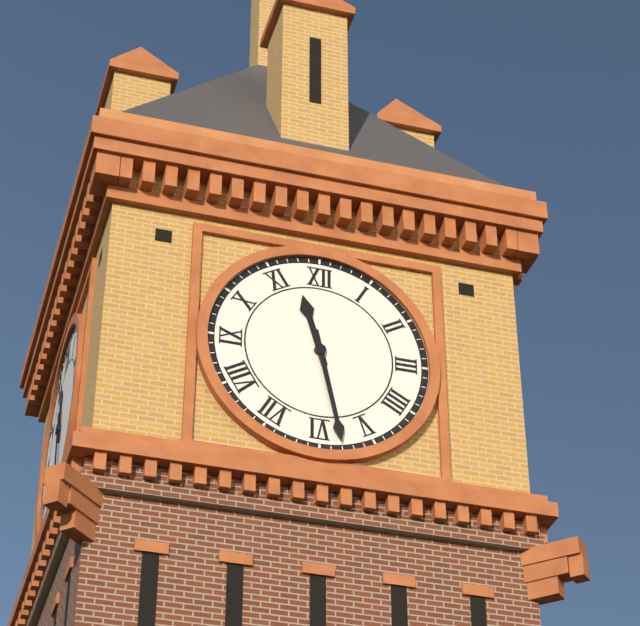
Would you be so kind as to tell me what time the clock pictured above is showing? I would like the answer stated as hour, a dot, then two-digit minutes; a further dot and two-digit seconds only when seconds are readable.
11.28
